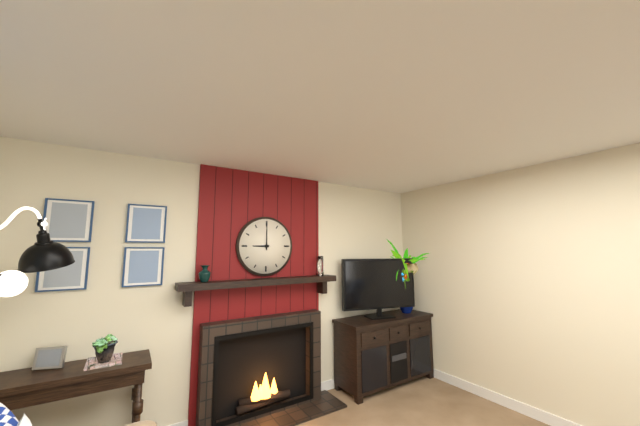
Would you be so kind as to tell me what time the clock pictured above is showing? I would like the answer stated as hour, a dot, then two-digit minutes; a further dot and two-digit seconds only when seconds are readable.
9.00
